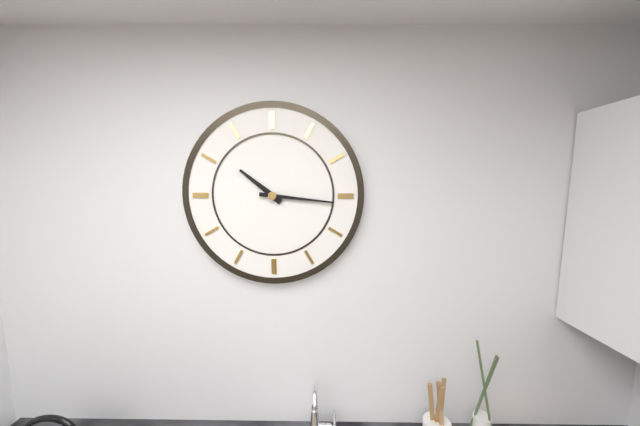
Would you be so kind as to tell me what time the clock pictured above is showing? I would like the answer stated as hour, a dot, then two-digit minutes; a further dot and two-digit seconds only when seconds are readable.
10.16
